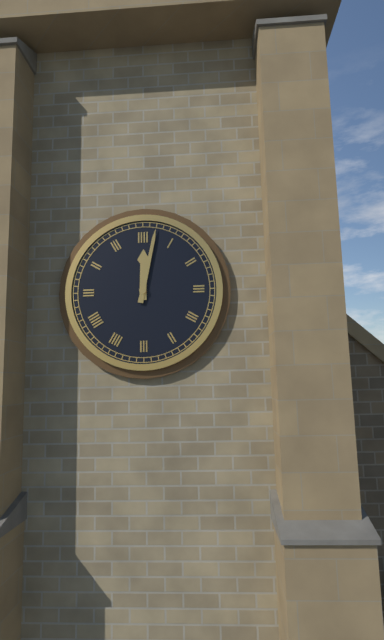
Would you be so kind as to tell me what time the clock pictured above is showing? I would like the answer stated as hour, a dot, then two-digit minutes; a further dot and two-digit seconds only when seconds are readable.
12.02
